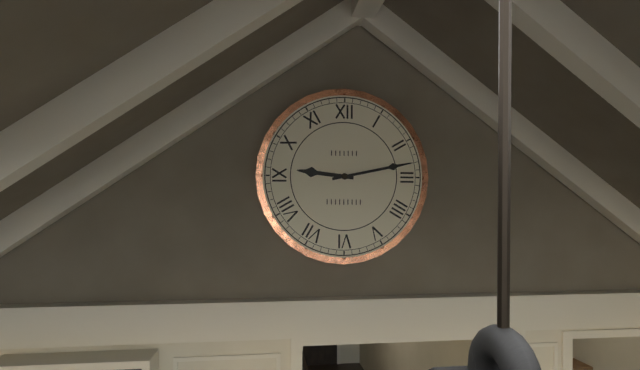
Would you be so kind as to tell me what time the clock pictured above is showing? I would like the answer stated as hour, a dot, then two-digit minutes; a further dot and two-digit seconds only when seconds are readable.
9.13
